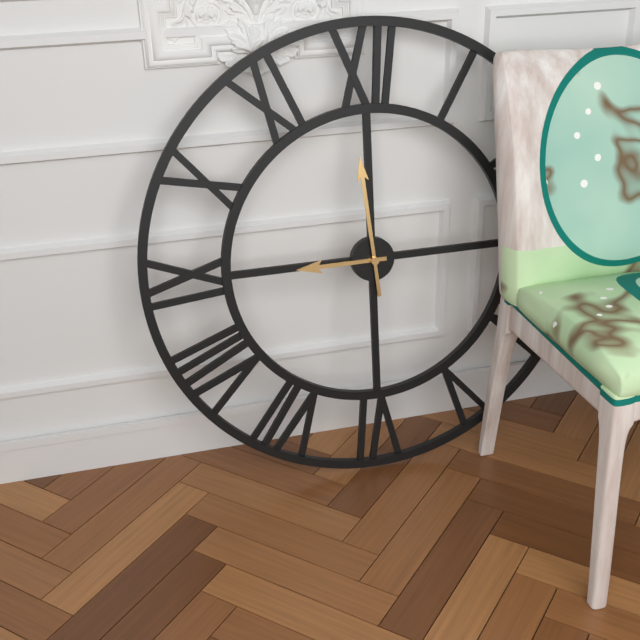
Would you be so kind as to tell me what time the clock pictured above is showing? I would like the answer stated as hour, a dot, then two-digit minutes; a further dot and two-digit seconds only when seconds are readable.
8.59
